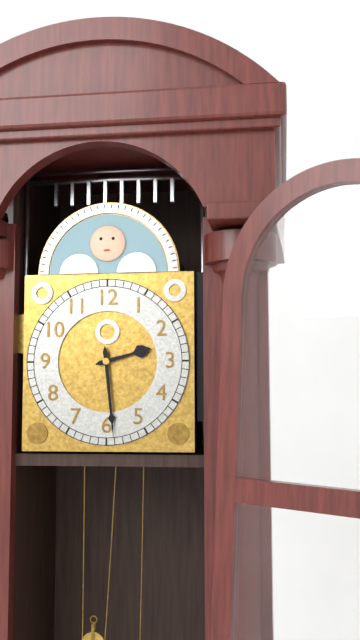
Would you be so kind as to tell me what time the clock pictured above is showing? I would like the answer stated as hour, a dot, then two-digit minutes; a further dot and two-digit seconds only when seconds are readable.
2.29
